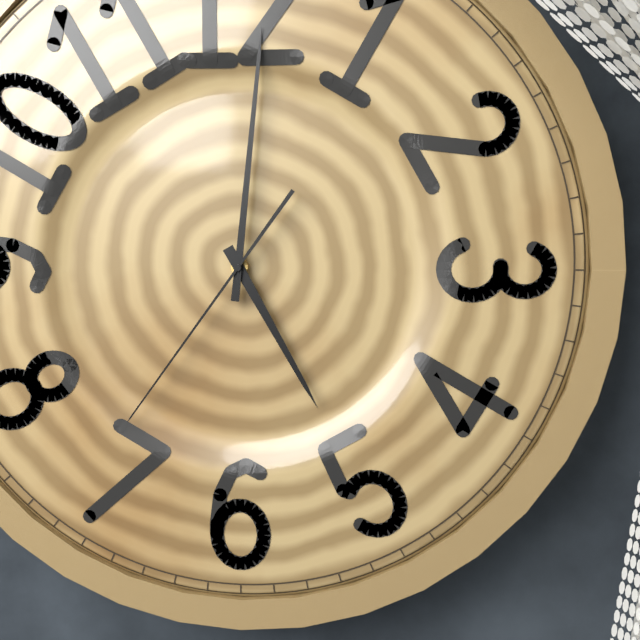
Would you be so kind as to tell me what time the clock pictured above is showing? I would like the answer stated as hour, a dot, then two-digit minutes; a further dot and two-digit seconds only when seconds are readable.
5.01.36
